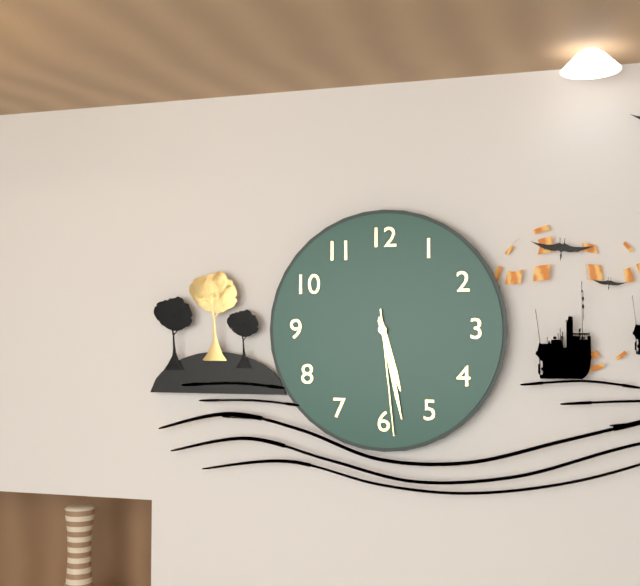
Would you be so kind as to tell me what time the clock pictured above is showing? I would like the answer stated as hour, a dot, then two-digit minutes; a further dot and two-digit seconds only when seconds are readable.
5.28.29
